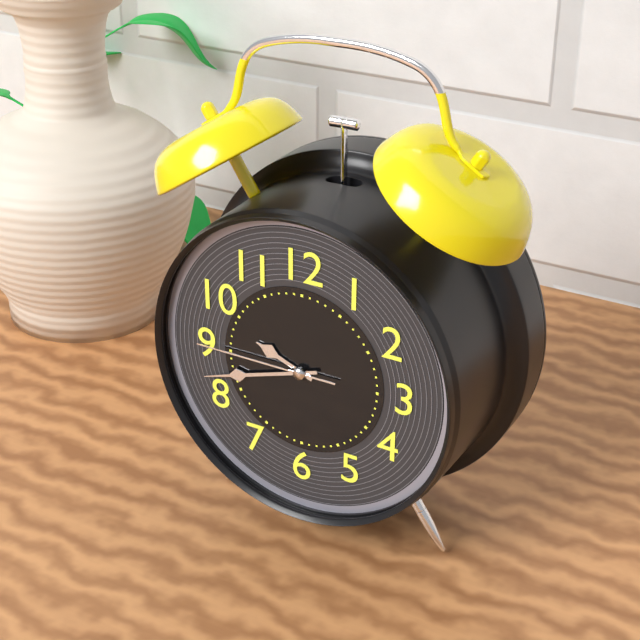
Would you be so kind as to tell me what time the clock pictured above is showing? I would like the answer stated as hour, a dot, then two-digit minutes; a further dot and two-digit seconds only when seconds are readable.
9.42.45
